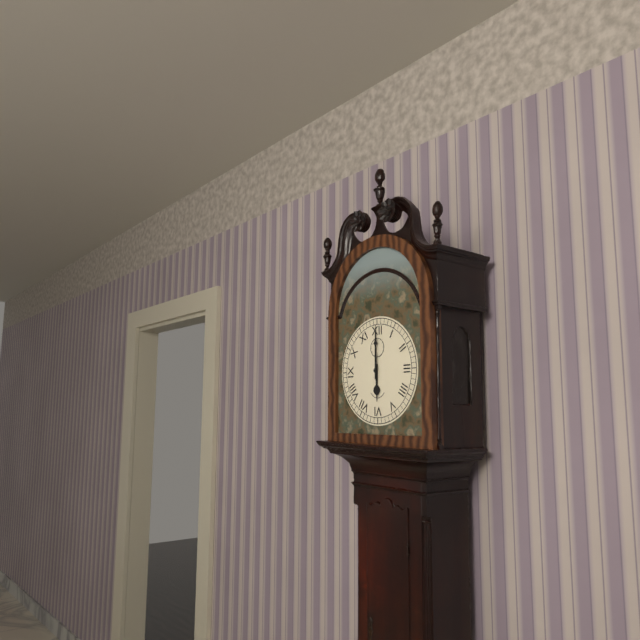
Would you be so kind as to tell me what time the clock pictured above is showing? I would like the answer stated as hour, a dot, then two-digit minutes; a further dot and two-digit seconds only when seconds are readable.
6.00
